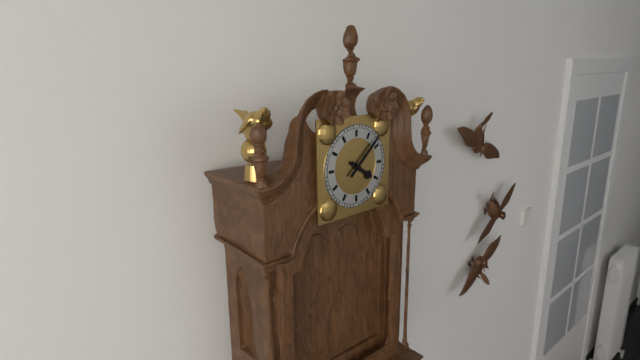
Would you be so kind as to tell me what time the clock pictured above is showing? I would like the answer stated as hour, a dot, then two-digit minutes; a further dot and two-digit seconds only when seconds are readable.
4.08
